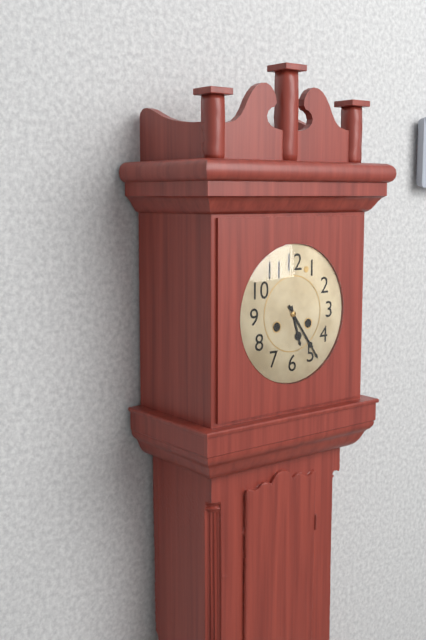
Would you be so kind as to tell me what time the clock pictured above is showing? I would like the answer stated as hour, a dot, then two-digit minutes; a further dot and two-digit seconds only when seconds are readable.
5.24
